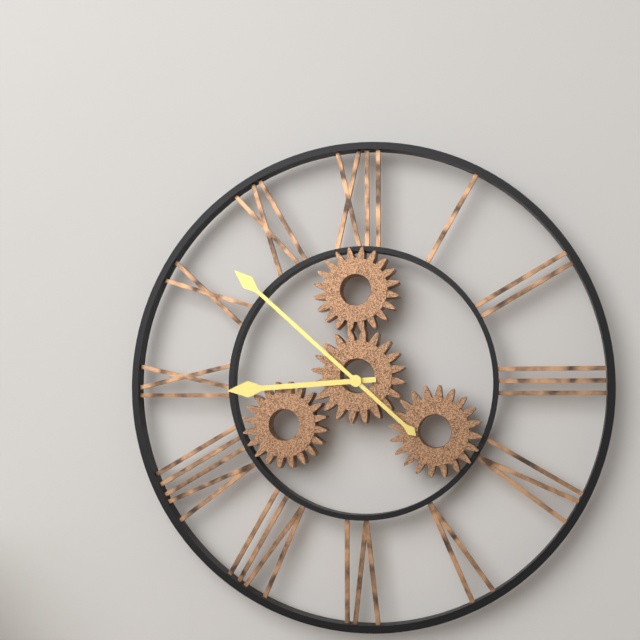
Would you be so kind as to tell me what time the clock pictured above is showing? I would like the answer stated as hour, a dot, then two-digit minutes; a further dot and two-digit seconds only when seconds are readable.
8.52
